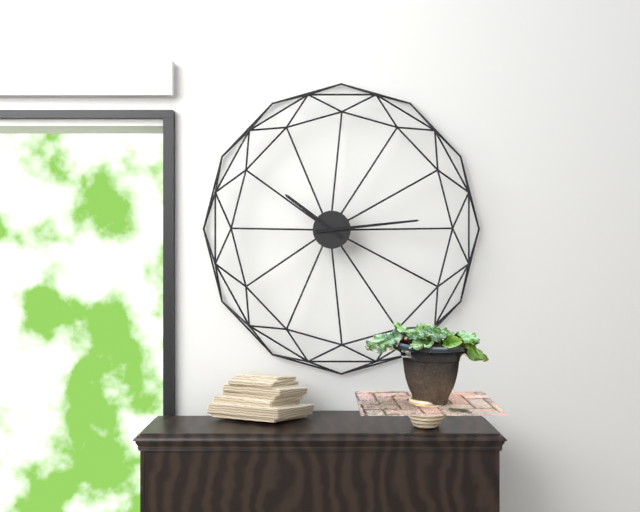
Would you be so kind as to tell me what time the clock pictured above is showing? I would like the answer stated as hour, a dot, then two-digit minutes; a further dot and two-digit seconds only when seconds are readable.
10.14
